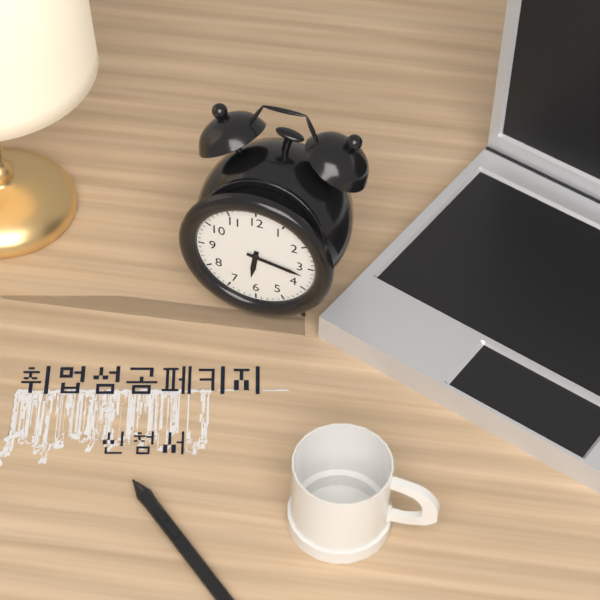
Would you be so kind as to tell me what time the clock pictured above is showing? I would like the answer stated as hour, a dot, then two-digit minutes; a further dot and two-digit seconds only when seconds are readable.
6.17
